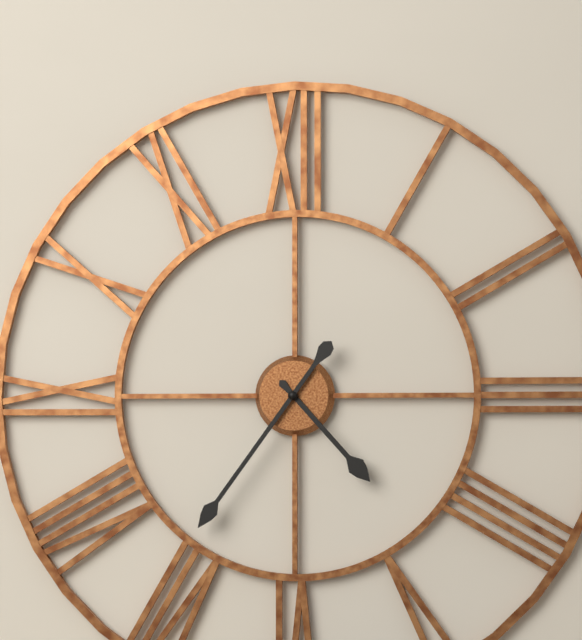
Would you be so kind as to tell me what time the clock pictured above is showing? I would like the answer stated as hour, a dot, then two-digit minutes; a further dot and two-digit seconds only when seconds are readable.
4.36
